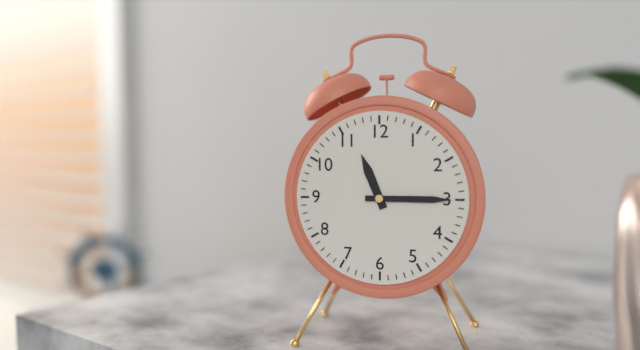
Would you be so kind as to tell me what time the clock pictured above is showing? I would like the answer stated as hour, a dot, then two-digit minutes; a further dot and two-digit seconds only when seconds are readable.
11.15
